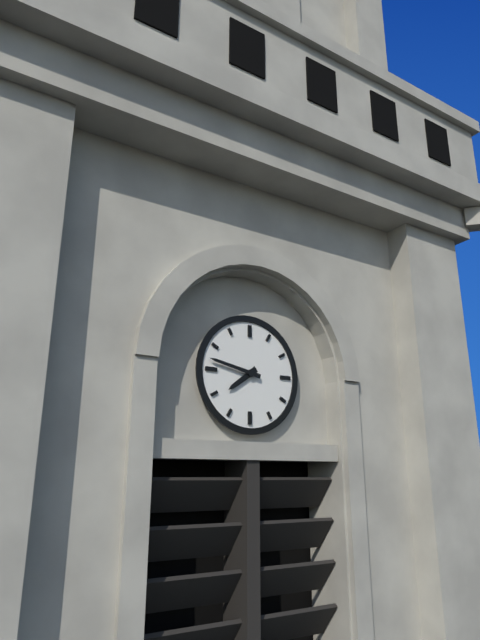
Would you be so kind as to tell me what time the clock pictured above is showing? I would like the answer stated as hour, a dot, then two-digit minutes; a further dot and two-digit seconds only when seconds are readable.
7.47
